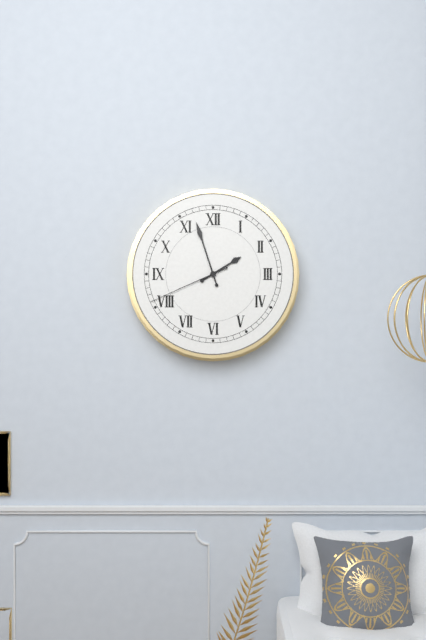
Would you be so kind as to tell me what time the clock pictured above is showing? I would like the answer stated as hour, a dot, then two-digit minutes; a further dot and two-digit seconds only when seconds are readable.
1.57.41
